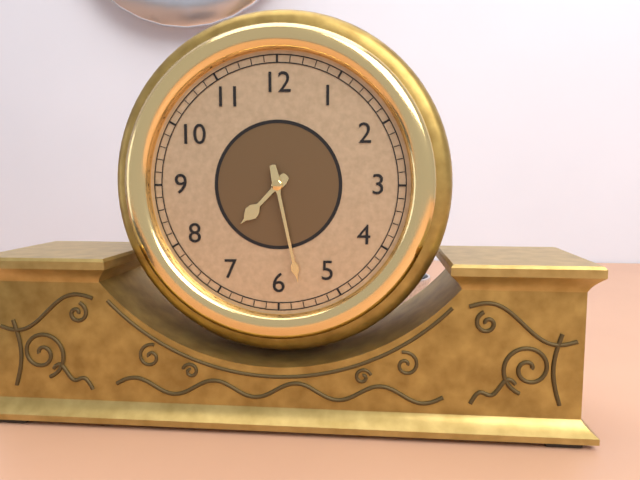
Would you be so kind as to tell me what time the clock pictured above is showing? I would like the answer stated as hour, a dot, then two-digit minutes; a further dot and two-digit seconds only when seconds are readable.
7.28
